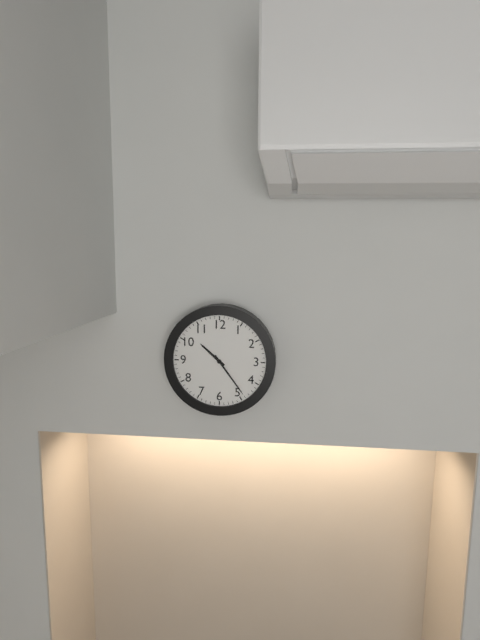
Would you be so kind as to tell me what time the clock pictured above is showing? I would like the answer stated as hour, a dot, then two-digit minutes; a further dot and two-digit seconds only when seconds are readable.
10.24
